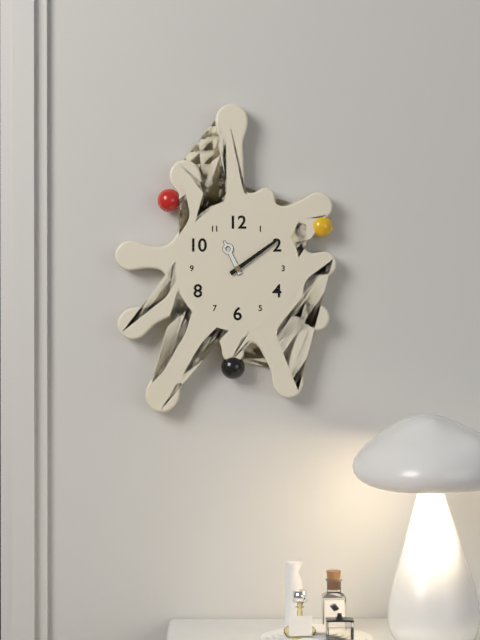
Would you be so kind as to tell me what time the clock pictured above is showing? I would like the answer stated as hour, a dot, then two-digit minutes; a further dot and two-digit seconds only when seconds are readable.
11.09
